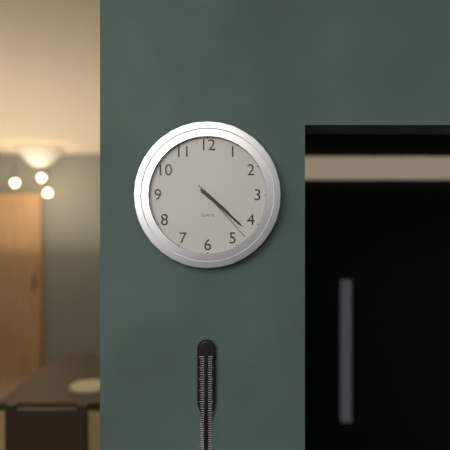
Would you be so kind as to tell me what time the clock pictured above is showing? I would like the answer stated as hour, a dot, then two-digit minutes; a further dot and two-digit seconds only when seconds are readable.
4.22.23
